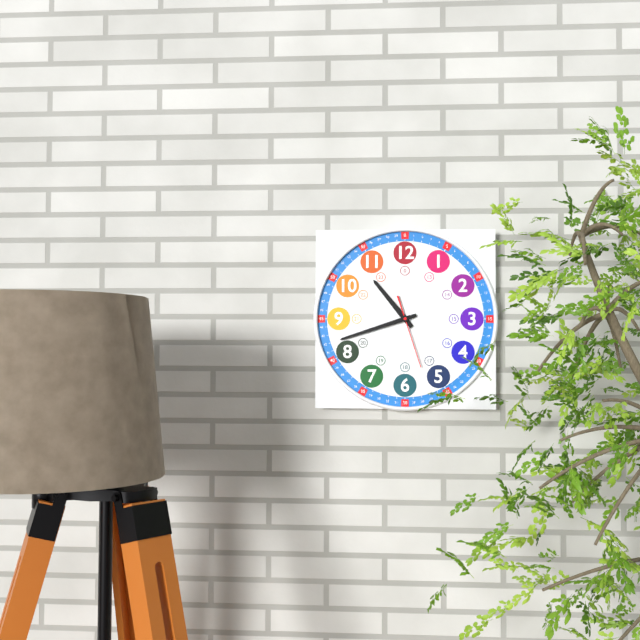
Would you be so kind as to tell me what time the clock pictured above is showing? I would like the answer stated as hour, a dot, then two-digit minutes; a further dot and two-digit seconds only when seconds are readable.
10.42.27
